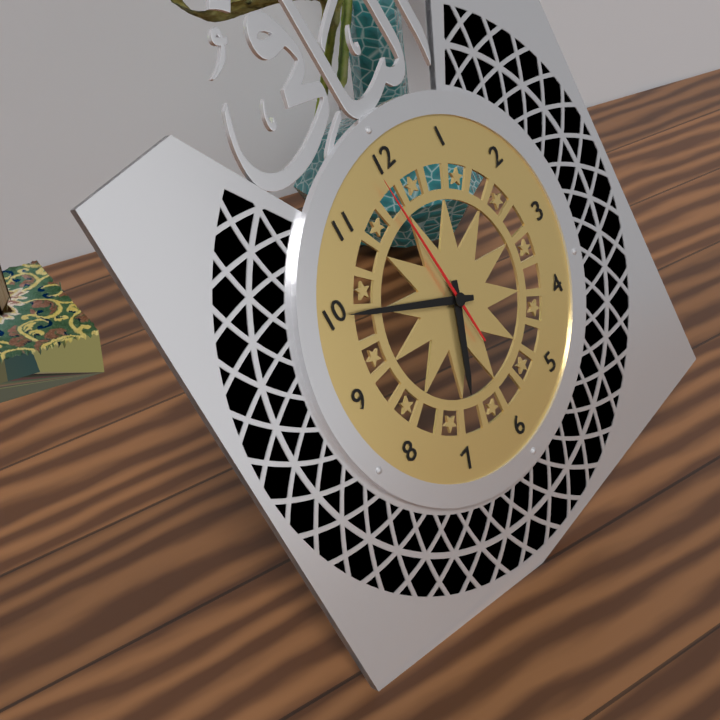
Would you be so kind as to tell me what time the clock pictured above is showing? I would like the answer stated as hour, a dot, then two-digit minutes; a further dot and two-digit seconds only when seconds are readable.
6.50.59
